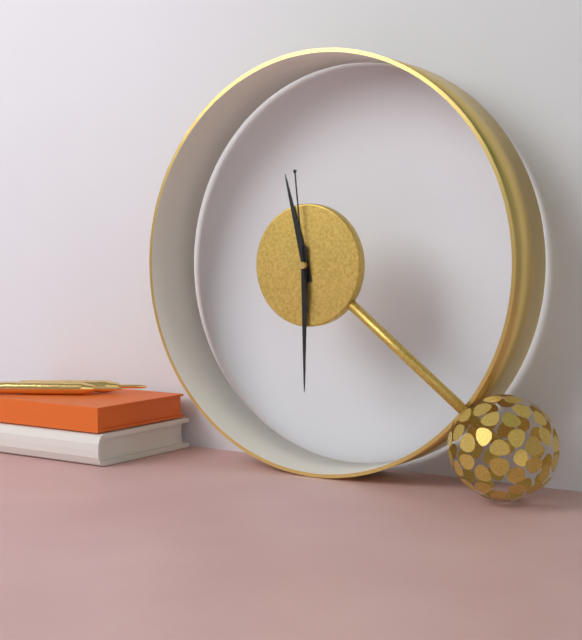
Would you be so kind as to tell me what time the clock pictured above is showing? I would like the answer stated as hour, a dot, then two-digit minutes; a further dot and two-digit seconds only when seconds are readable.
11.30.59
